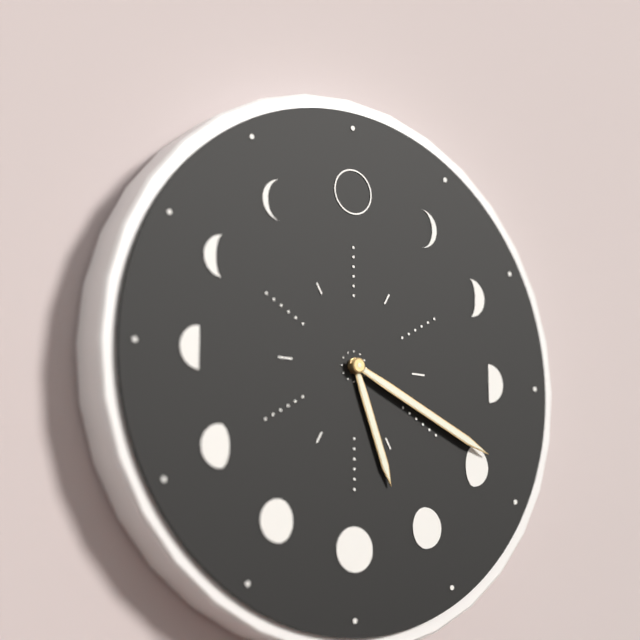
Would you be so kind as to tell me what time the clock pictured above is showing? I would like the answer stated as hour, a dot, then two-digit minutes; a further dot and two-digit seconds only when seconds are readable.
5.19
